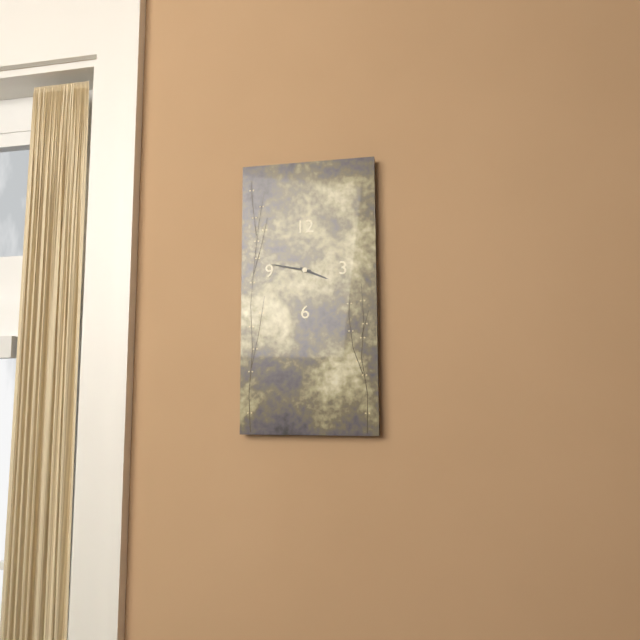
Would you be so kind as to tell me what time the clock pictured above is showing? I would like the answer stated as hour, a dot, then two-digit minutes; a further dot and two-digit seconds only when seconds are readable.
3.47
